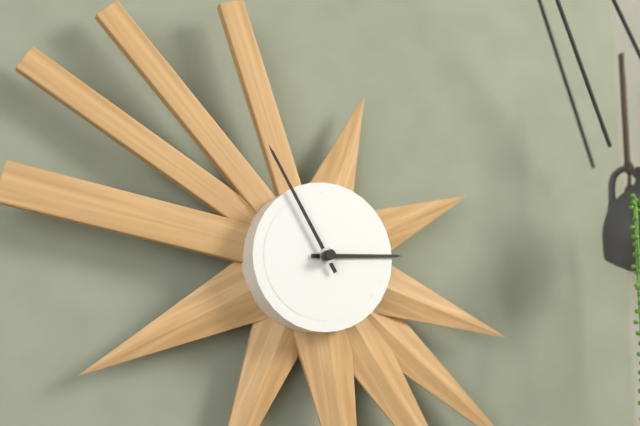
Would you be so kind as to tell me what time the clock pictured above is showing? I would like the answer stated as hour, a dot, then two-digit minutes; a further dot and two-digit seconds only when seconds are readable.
2.55
